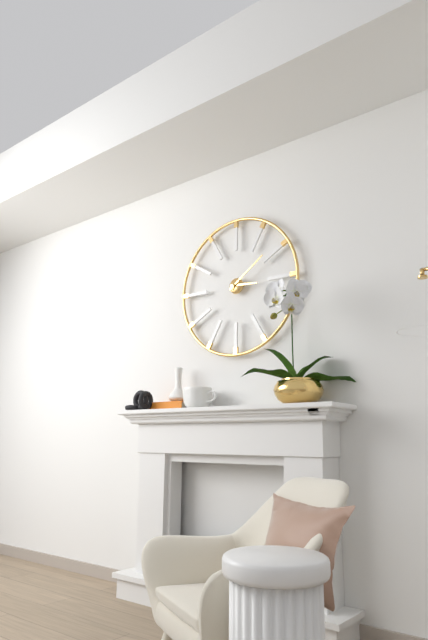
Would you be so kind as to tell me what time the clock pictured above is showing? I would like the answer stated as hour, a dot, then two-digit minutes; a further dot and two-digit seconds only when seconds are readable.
3.09
